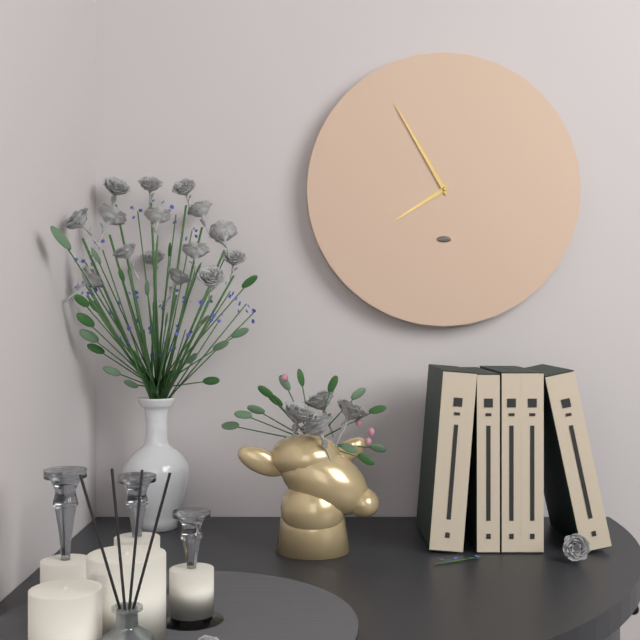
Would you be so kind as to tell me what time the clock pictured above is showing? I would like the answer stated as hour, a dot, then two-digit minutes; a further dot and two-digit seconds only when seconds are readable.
7.55
